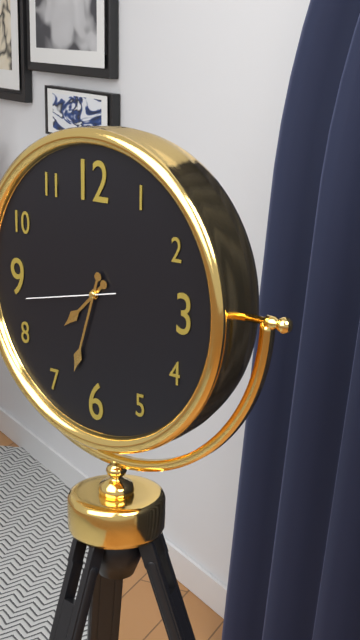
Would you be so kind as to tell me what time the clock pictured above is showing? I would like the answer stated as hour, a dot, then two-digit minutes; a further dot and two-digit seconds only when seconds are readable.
7.33.43
